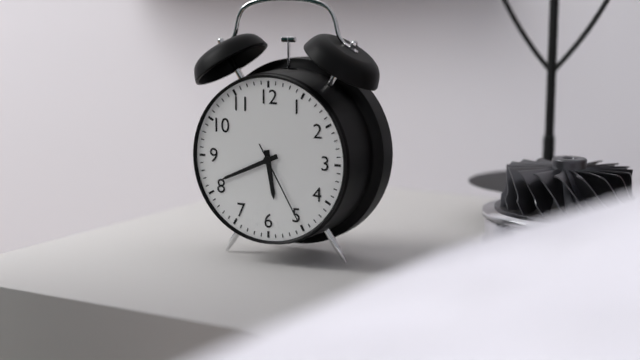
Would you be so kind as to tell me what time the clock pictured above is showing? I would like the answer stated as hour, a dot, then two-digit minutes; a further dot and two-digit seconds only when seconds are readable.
5.41.25
